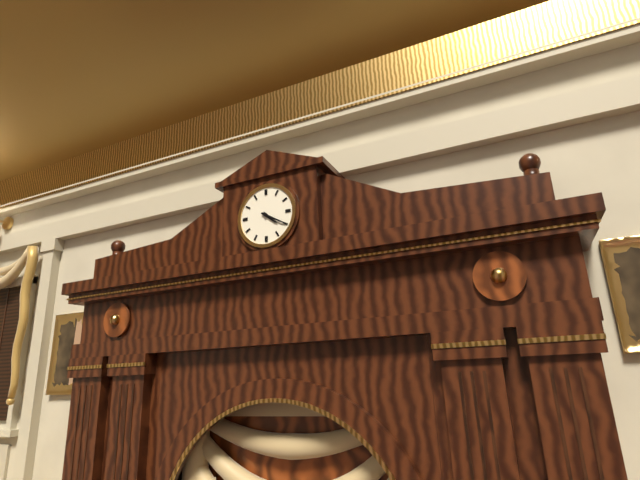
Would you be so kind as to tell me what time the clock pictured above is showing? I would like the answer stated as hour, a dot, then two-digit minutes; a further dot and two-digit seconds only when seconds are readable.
4.20
